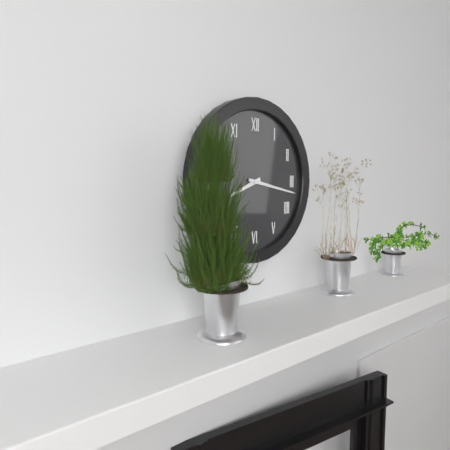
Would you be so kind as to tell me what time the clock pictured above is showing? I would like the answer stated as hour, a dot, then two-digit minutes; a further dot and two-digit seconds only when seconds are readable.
8.17
